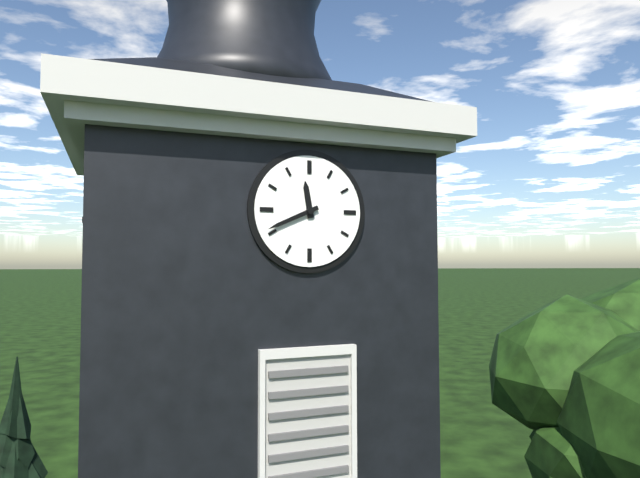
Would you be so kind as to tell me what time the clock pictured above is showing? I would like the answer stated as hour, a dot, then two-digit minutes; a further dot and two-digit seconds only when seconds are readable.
11.41
